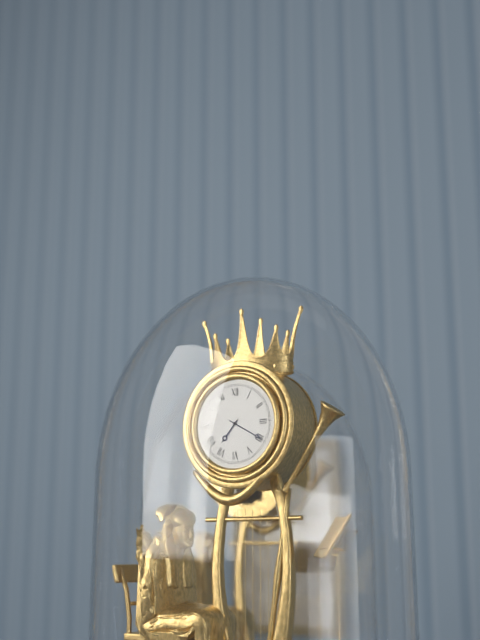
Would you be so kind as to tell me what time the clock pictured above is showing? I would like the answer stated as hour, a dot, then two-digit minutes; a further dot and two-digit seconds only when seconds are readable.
7.20
